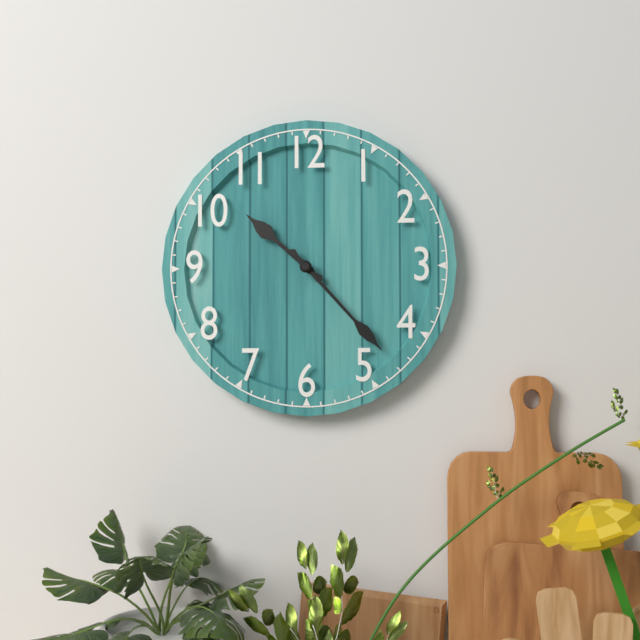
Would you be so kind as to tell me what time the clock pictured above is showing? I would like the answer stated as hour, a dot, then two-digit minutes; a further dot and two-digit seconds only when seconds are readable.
10.23
